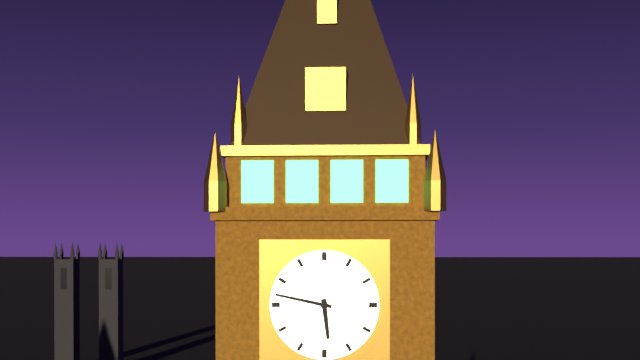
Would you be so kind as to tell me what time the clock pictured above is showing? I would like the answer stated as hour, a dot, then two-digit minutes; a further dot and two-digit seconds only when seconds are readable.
5.47
